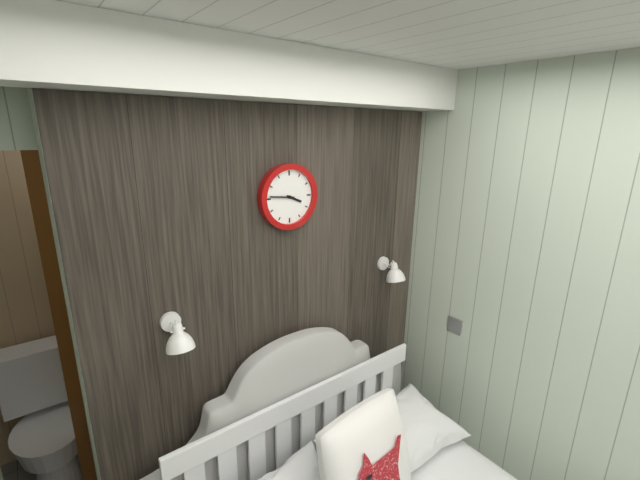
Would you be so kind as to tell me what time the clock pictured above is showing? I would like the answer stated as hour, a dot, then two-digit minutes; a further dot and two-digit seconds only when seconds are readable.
3.46
